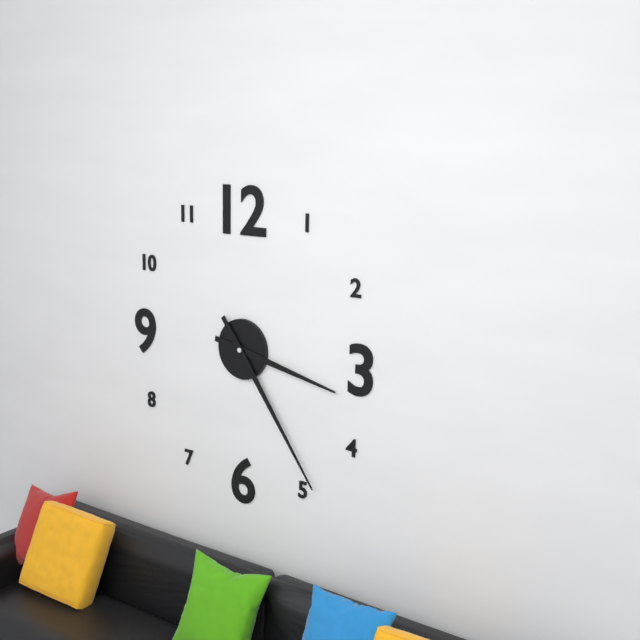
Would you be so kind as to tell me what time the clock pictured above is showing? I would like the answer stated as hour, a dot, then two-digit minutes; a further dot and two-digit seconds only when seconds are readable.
3.24
